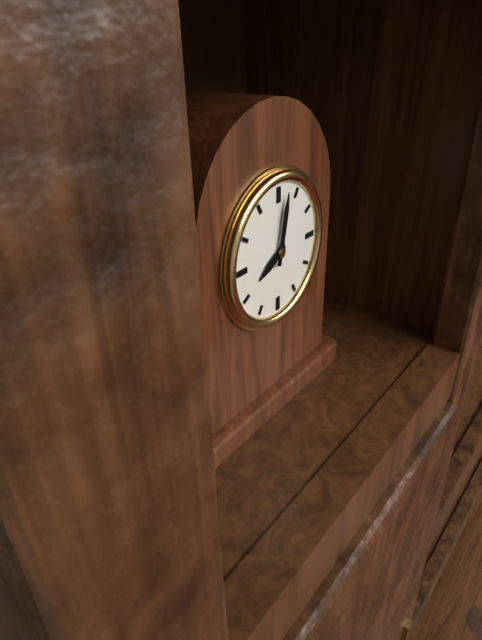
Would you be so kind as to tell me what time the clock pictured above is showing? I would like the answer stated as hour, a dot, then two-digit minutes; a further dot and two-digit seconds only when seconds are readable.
8.02
